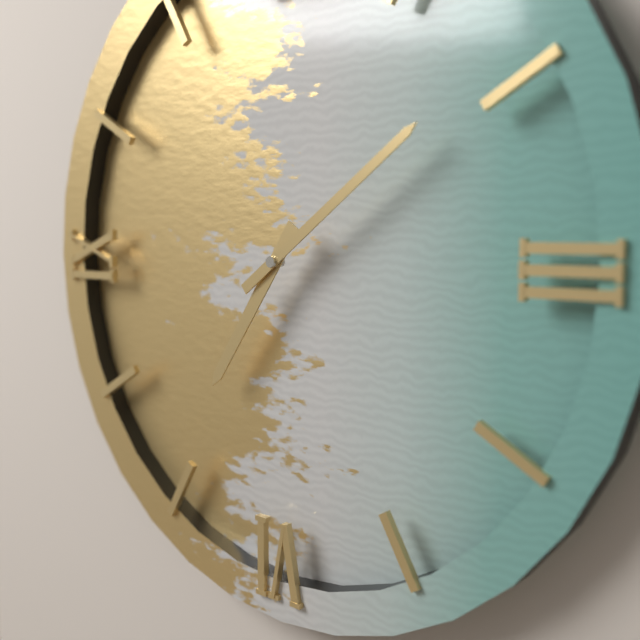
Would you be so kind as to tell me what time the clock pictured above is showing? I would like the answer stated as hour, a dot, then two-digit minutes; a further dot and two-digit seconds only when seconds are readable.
7.09
